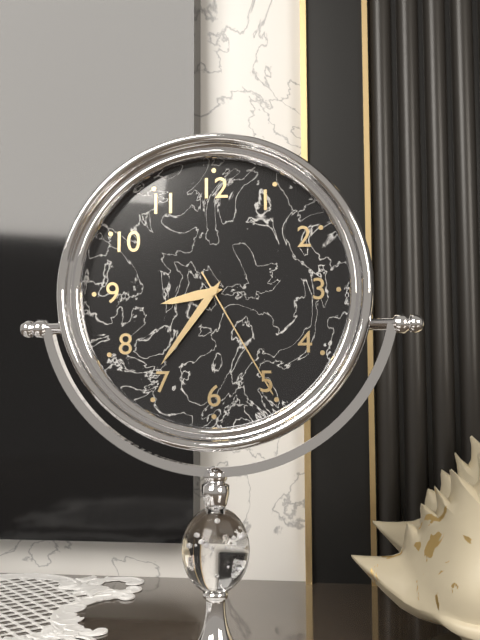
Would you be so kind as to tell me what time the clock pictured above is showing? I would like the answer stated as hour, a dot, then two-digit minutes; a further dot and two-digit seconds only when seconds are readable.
8.36.25
